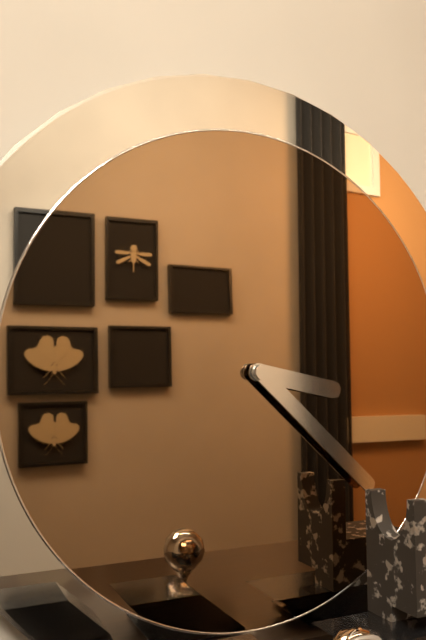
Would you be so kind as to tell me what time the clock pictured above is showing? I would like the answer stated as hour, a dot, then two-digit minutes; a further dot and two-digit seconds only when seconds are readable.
3.22
